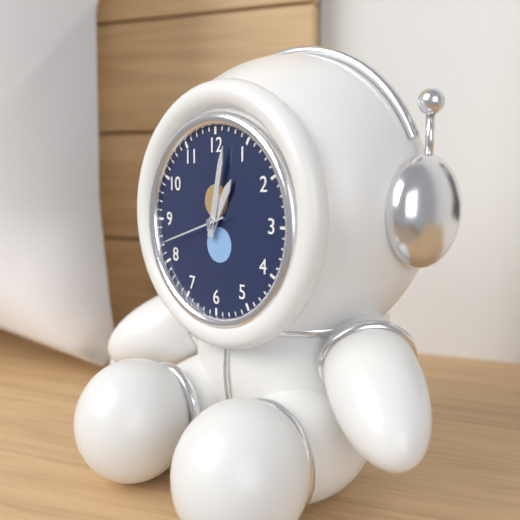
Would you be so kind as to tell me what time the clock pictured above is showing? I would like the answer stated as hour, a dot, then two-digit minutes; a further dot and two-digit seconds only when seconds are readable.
1.02.42
